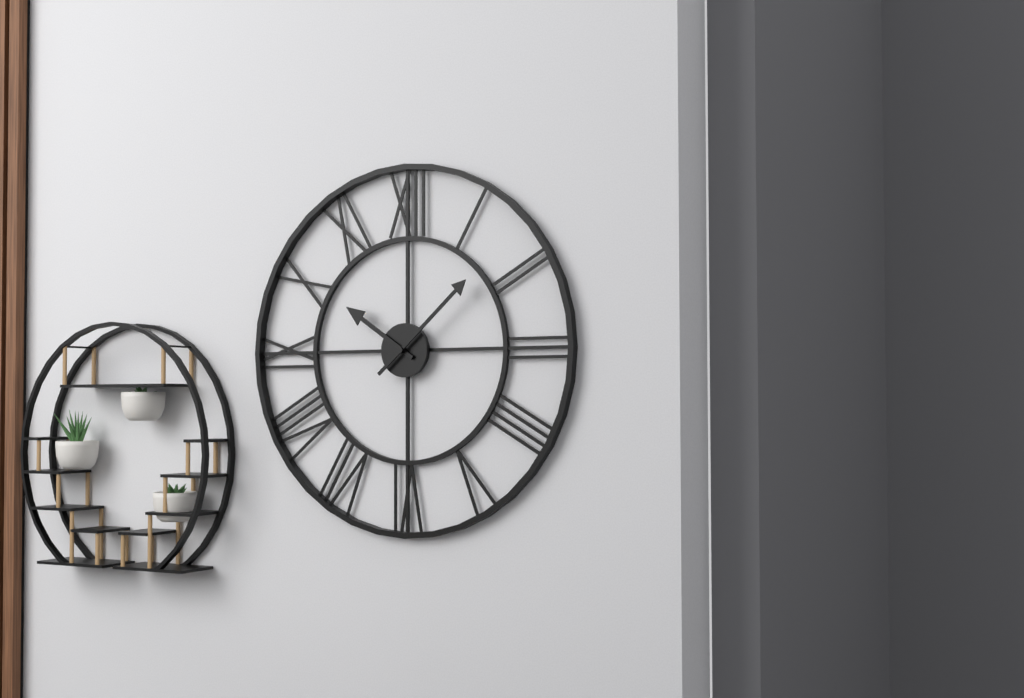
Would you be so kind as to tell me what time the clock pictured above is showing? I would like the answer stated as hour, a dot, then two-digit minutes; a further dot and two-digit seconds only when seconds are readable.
10.08
